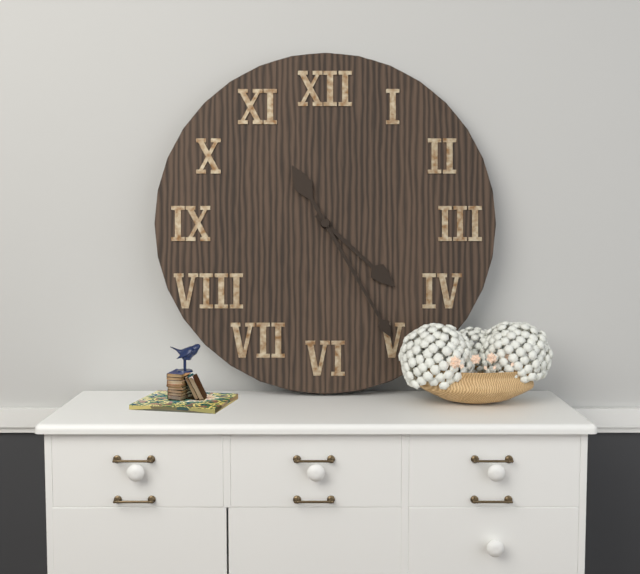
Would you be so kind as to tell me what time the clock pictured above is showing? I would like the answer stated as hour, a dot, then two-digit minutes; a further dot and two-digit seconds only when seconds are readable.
4.25
